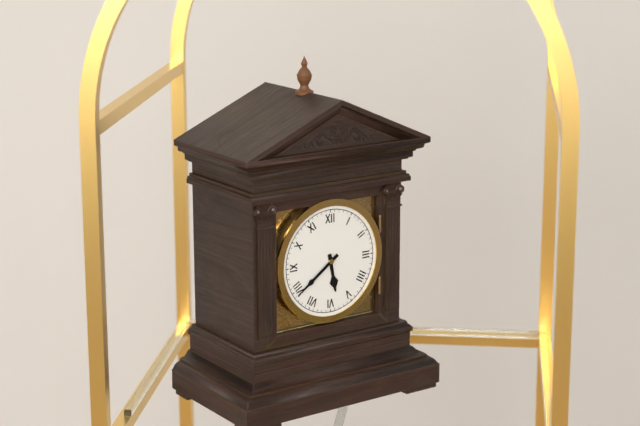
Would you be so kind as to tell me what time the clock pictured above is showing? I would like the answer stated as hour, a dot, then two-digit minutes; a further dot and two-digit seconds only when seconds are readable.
5.39
